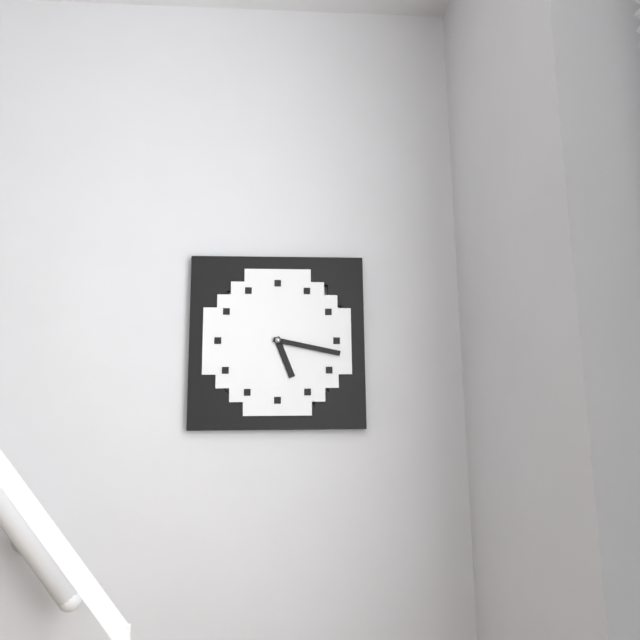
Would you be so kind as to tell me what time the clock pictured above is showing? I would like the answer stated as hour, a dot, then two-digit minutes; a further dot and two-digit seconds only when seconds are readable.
5.17
